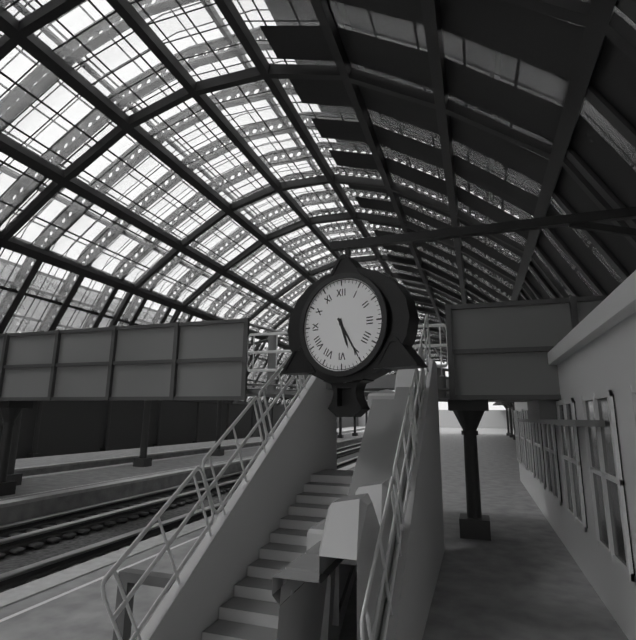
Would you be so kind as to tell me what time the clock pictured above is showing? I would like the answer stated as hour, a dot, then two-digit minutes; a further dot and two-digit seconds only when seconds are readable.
5.25
